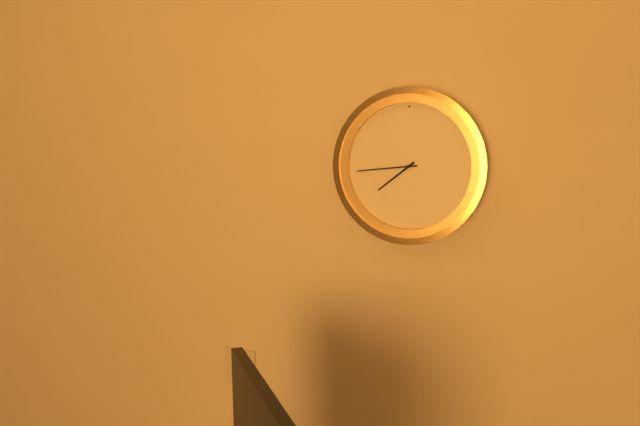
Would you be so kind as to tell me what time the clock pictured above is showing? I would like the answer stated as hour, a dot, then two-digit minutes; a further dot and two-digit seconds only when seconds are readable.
7.44
